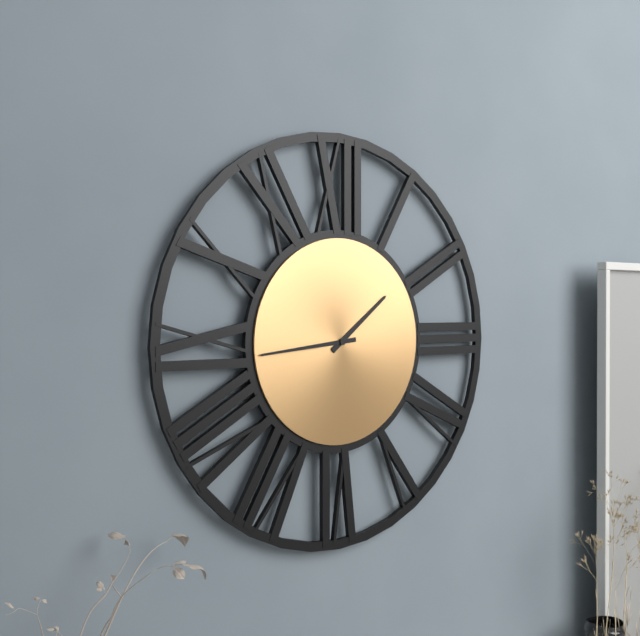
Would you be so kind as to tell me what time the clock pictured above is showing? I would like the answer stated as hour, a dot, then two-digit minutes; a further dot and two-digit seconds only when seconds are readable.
1.44
